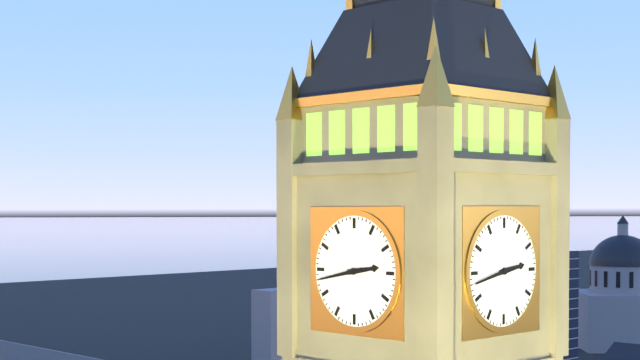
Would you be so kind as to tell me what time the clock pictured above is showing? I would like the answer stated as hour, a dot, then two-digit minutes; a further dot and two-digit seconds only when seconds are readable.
2.43
